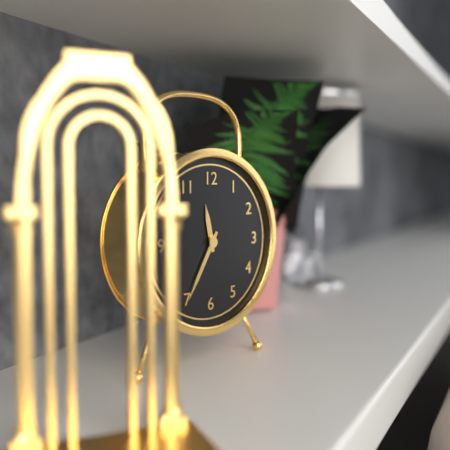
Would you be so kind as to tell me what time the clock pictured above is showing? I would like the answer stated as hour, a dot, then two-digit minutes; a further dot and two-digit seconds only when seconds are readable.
11.35
